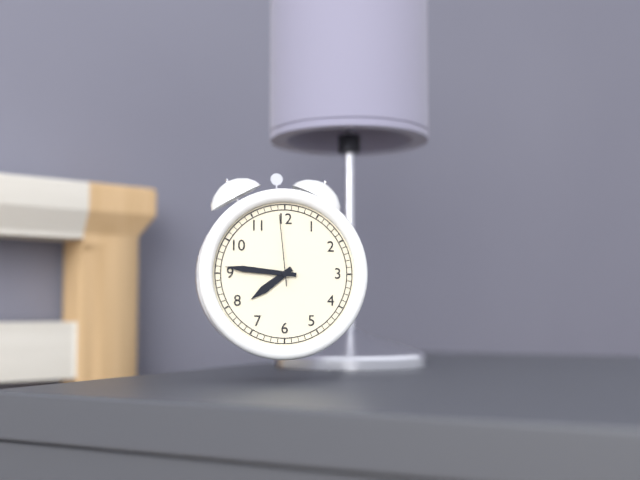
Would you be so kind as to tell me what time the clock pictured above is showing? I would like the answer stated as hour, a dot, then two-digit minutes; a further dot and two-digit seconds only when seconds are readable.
7.46.59
